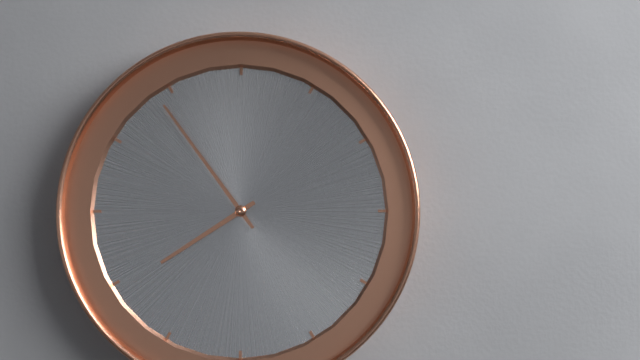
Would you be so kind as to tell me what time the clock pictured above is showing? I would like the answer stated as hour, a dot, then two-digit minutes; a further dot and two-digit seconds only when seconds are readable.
7.54
